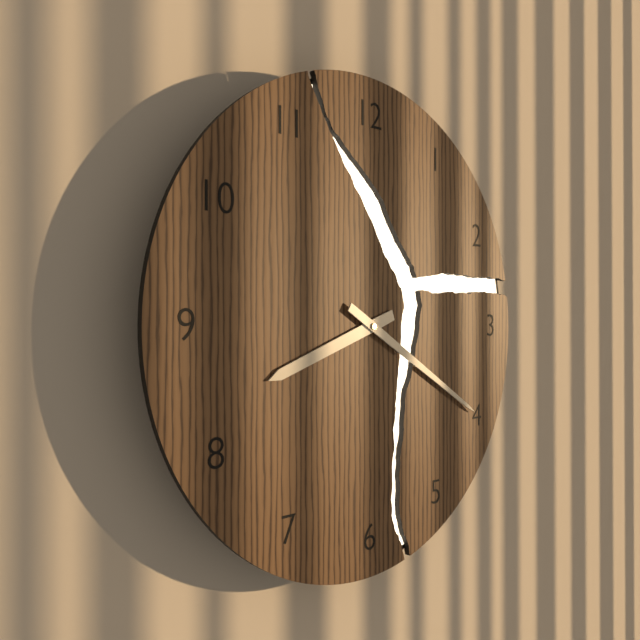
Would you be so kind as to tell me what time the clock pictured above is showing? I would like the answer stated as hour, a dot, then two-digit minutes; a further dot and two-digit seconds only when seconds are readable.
8.20
